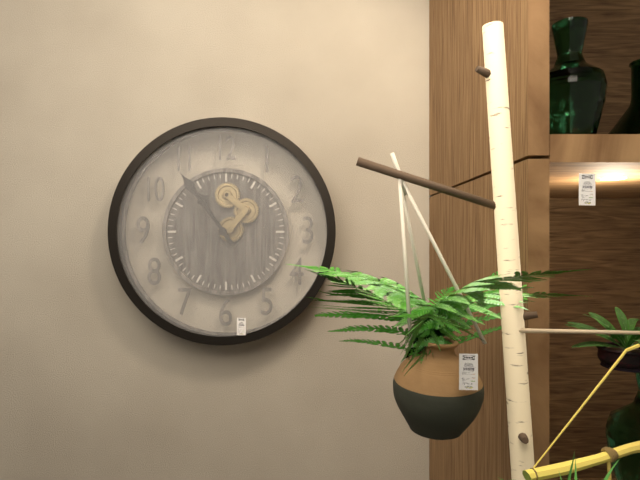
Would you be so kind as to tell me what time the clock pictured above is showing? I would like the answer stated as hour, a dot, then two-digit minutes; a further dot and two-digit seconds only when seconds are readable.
10.54
